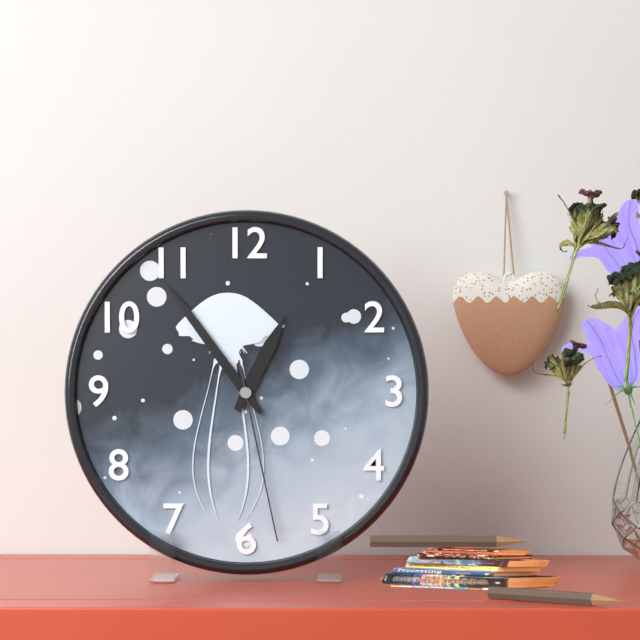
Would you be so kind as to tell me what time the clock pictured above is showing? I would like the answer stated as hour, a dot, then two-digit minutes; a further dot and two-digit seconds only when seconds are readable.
12.54.28
